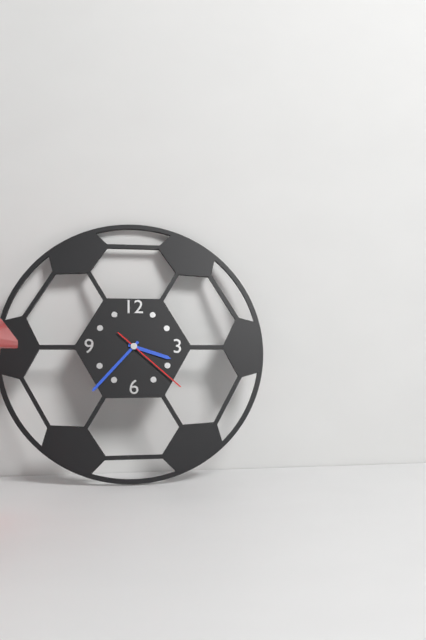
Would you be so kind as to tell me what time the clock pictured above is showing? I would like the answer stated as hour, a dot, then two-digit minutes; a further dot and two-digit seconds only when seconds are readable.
3.37.22
